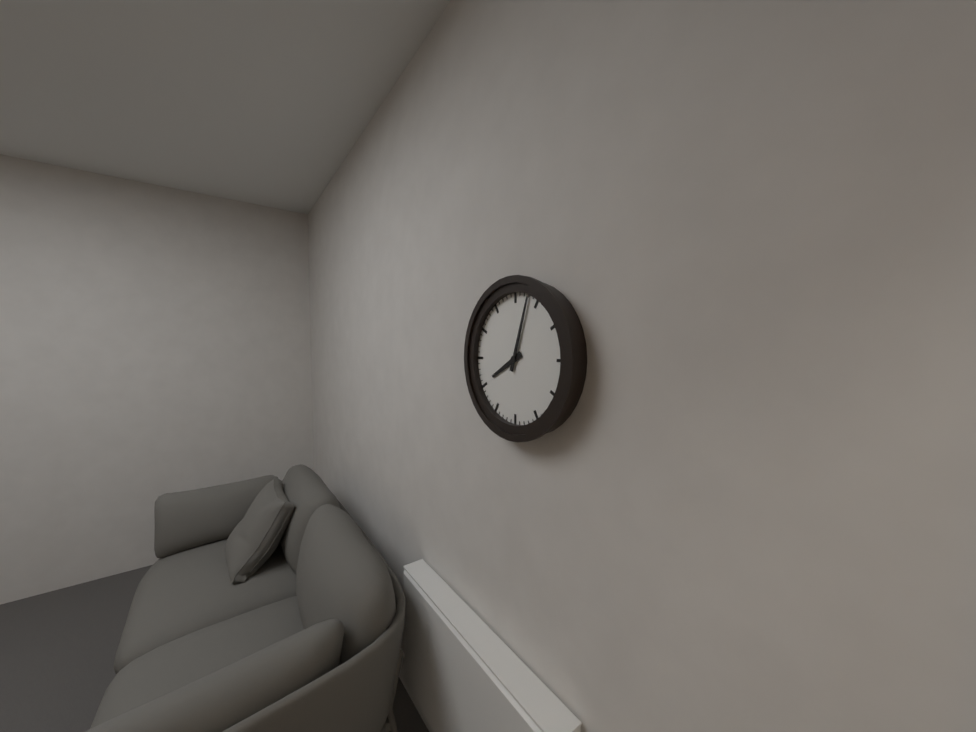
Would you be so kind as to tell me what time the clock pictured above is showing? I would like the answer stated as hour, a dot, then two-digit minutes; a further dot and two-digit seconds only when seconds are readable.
8.03
